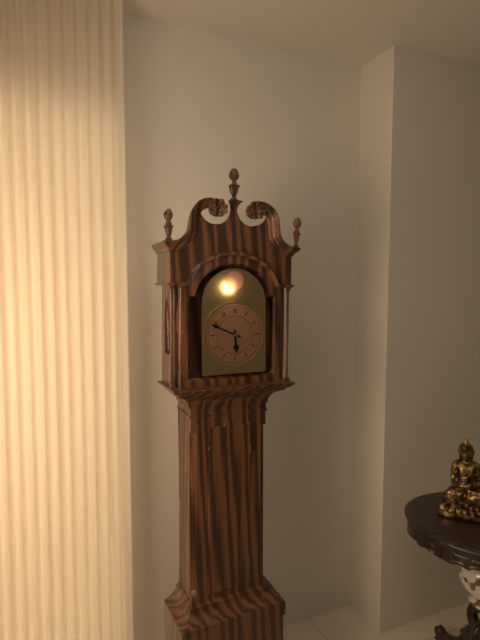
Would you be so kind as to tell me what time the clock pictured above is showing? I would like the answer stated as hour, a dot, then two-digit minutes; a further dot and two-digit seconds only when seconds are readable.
5.49
